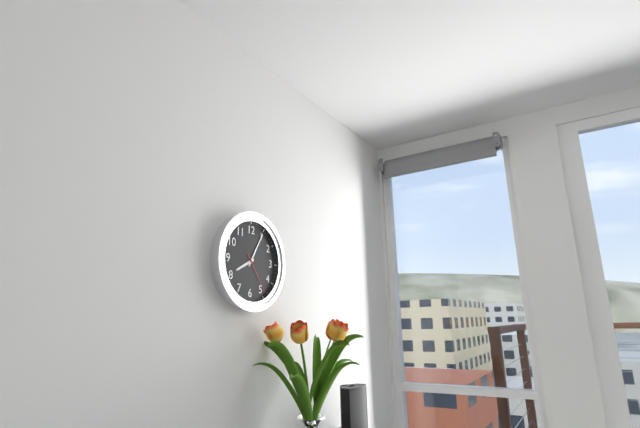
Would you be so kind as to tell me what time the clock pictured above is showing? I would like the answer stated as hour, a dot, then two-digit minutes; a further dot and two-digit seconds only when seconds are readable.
8.05
